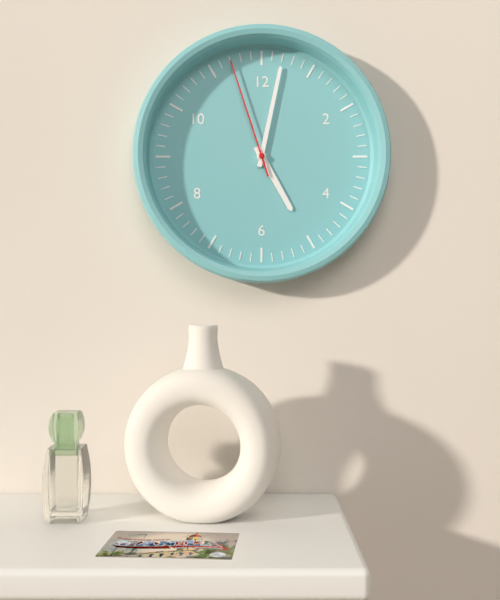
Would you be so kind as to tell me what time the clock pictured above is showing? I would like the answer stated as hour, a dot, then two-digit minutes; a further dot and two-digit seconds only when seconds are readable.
5.02.57
